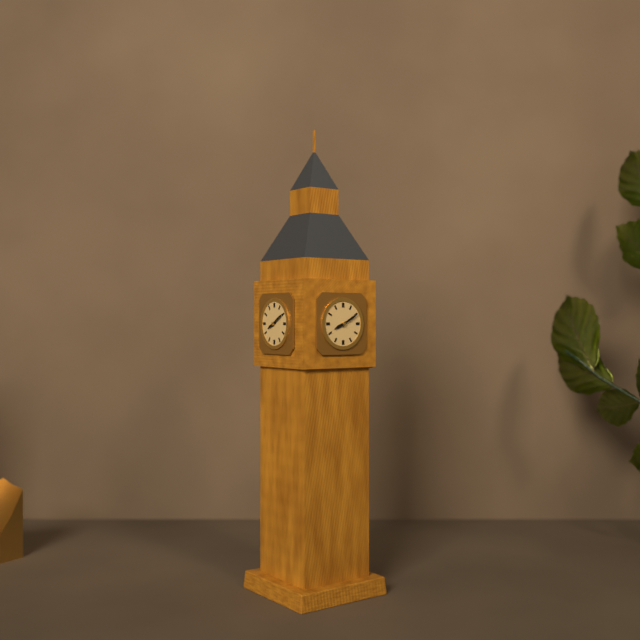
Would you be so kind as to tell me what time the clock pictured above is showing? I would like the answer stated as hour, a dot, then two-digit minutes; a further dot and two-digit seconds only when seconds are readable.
8.10
